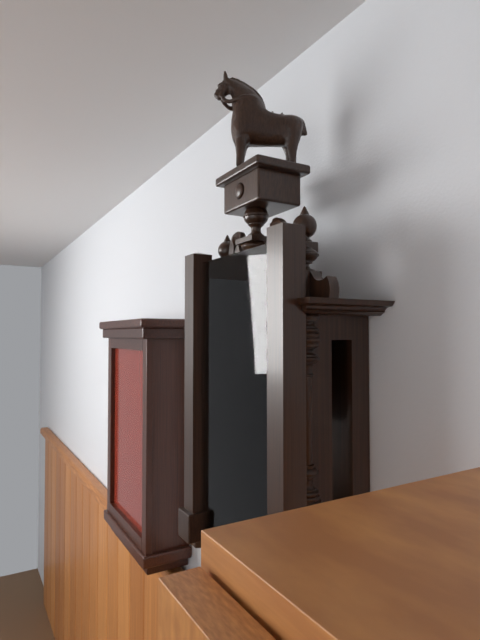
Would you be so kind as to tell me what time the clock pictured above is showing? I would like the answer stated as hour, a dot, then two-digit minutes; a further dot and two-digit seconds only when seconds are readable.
7.30
